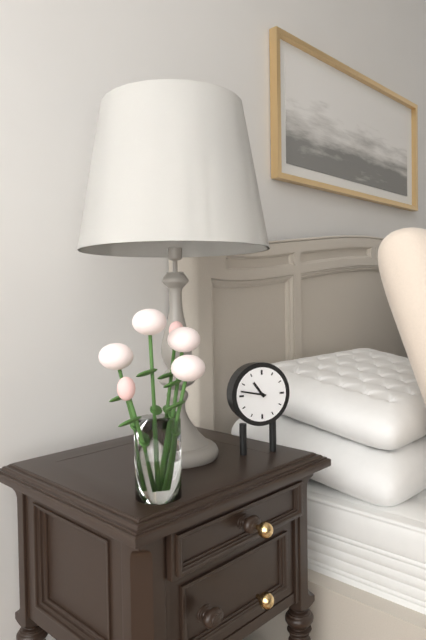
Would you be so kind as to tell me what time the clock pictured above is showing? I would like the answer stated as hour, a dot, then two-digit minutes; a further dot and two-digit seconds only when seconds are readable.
10.47
